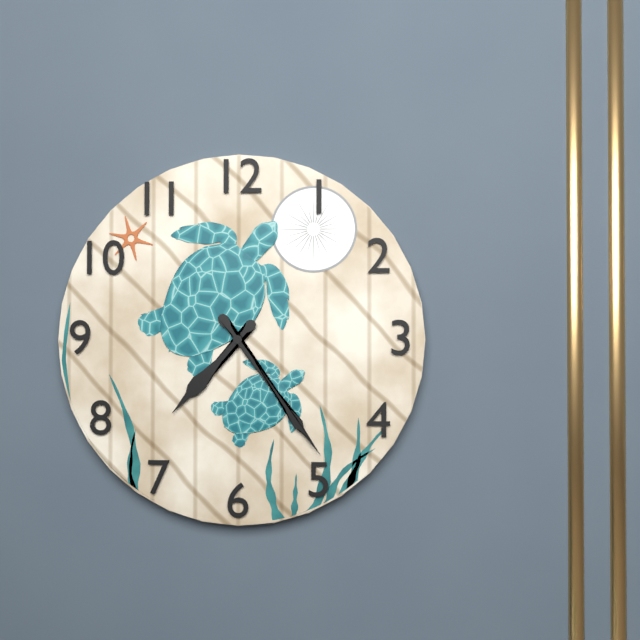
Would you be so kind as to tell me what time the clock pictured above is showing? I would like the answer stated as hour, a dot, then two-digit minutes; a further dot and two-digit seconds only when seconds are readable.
7.24
